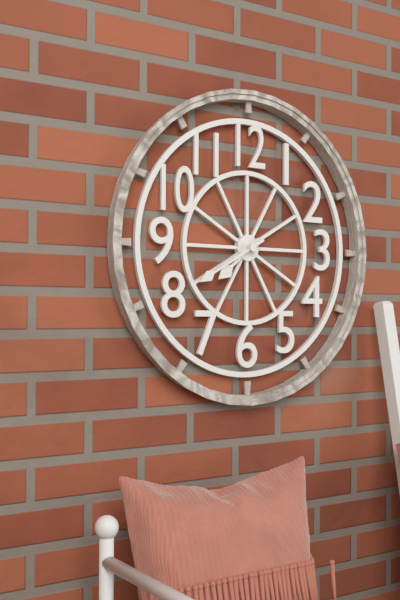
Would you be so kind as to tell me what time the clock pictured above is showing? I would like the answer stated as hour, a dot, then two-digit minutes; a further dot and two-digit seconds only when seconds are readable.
7.40
